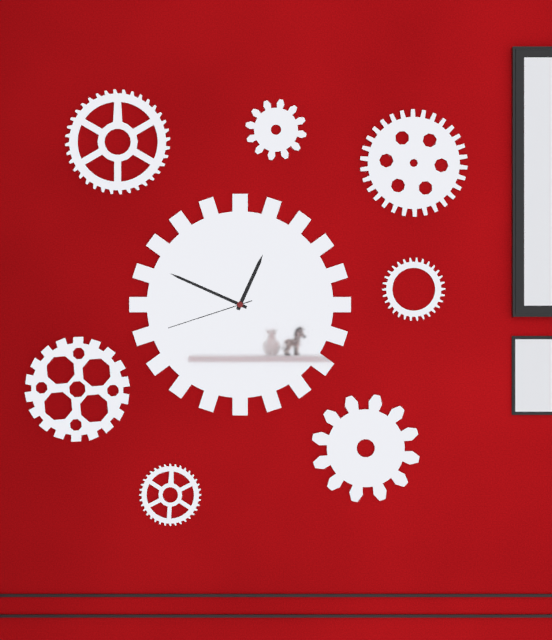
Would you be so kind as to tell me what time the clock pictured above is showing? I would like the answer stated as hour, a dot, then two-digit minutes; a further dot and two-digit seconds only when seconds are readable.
12.49.42
